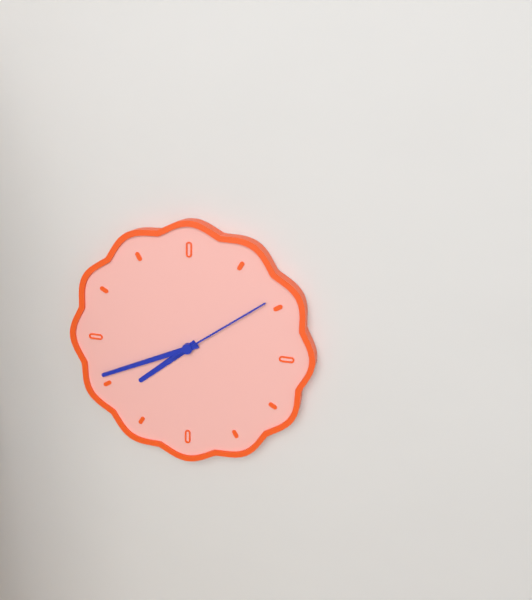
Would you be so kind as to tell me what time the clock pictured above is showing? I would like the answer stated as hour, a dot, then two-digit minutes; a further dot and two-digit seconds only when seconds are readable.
7.41.09
